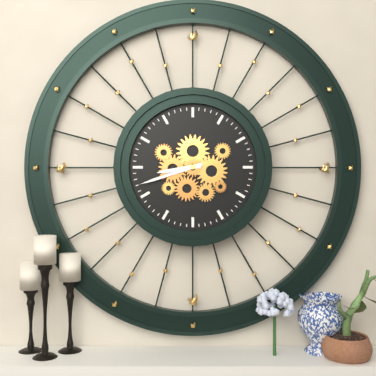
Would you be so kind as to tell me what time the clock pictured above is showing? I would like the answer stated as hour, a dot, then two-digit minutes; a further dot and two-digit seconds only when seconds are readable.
8.42
